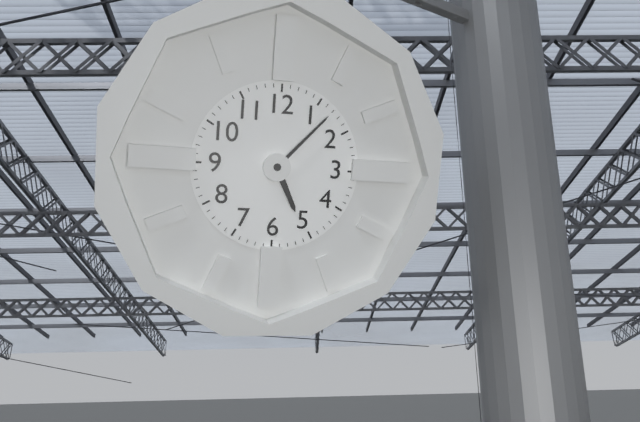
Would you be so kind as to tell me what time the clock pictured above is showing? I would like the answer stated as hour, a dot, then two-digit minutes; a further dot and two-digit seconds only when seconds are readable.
5.07
